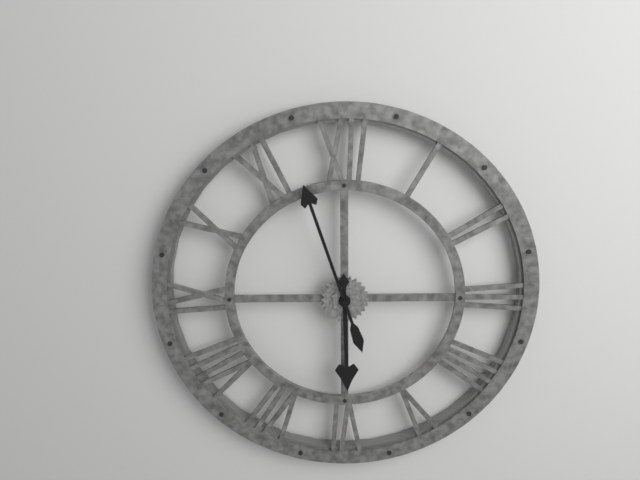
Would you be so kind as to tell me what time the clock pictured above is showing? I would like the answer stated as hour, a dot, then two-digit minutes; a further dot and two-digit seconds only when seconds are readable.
5.57
